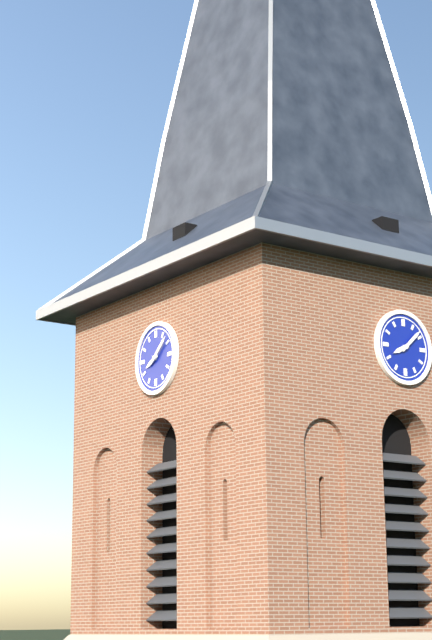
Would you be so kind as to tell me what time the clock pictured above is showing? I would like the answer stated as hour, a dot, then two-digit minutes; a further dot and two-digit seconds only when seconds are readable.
8.08
